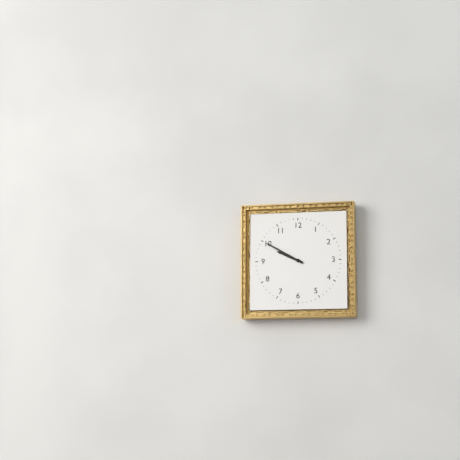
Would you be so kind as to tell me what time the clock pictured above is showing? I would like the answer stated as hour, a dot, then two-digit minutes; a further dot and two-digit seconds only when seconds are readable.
9.50
